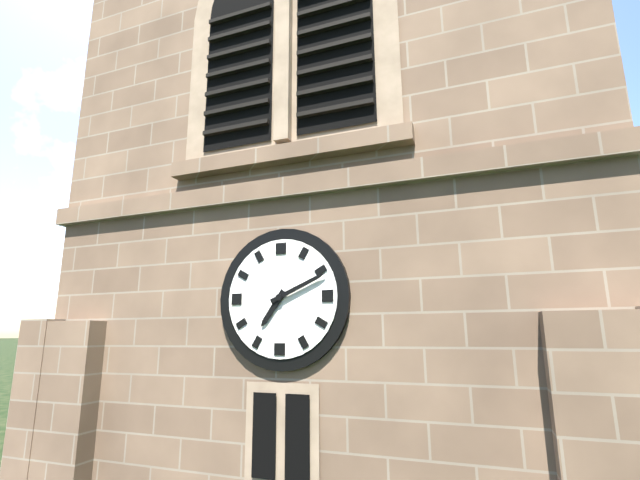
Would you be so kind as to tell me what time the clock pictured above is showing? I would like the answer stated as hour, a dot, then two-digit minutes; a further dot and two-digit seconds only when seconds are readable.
7.11
